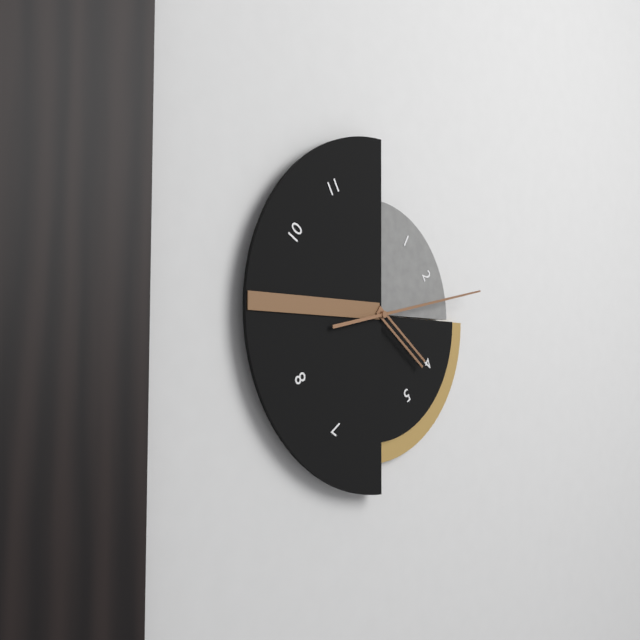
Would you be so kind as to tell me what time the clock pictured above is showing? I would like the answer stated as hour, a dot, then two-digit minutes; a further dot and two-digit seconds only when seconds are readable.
4.13
